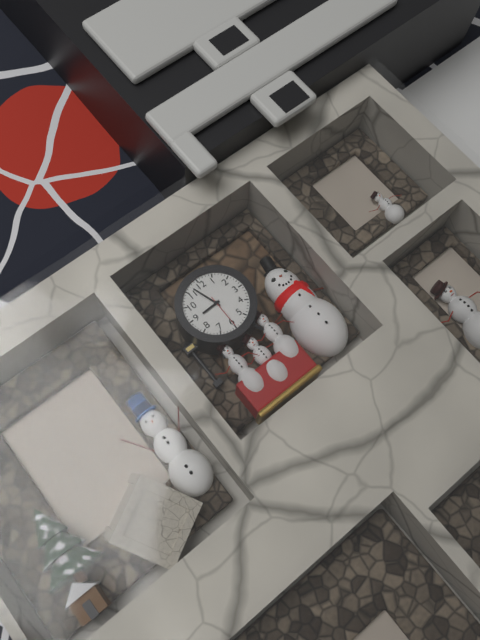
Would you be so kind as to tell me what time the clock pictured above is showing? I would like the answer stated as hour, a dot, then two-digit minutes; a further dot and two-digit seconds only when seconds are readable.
8.57
